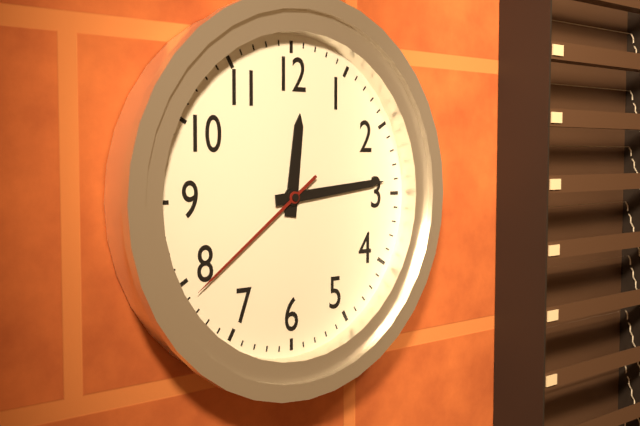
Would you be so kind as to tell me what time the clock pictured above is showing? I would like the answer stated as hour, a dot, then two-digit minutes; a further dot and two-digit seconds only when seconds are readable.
12.14.39
